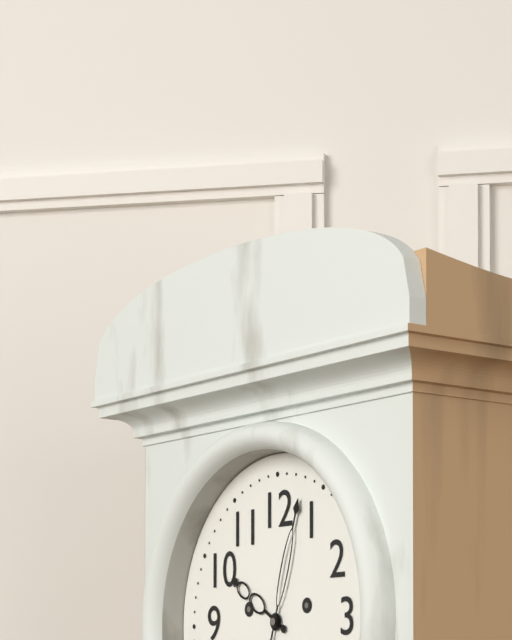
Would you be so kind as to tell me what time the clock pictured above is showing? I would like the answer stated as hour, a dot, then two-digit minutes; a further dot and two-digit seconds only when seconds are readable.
10.03
